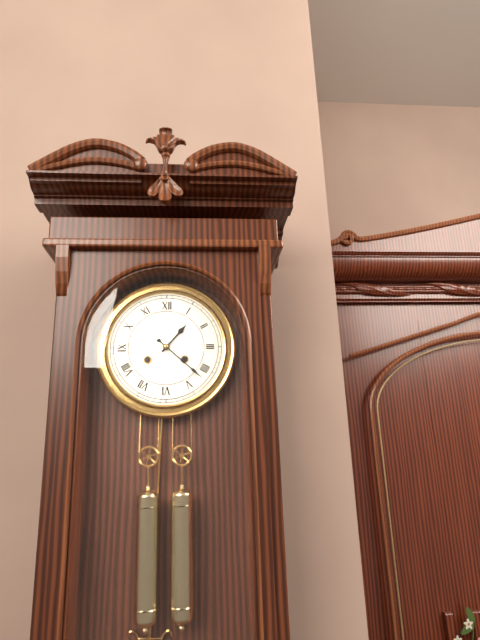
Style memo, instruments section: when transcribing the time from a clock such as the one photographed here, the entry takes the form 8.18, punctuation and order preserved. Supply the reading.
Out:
1.22
